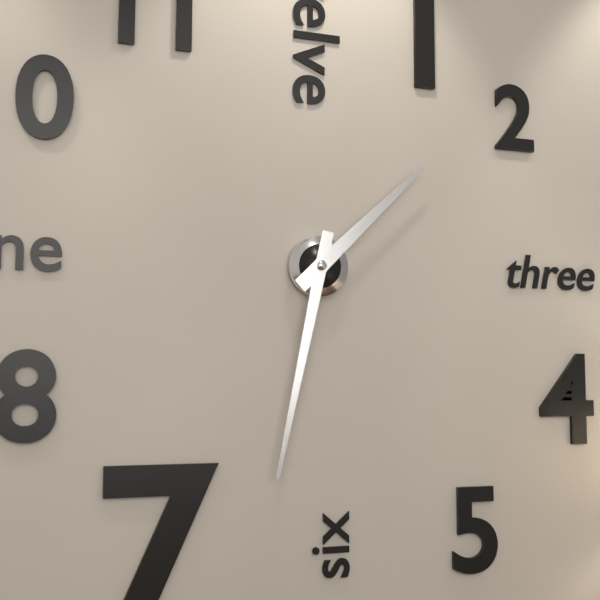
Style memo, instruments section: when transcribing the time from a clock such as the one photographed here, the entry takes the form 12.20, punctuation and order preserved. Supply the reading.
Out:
1.32
